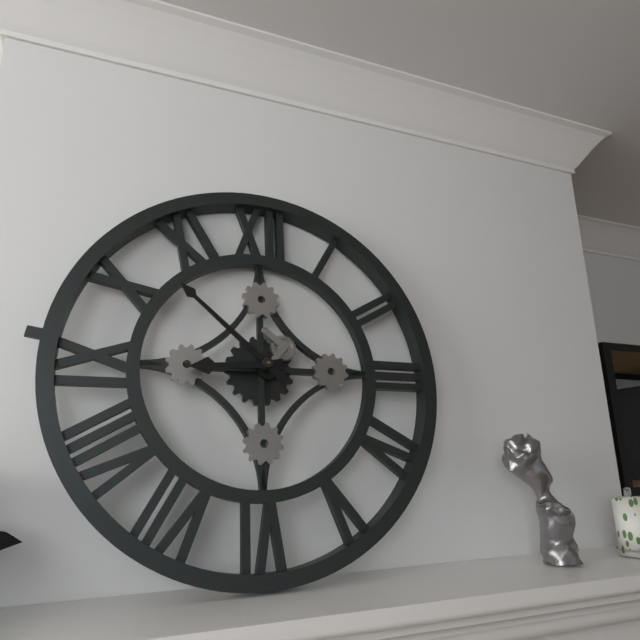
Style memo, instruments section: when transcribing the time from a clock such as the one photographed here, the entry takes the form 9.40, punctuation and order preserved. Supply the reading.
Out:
8.52
